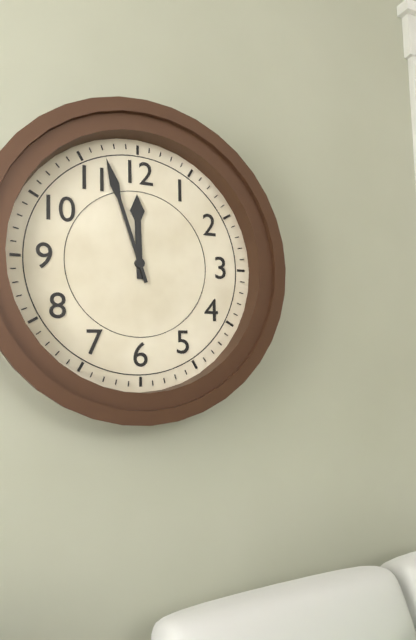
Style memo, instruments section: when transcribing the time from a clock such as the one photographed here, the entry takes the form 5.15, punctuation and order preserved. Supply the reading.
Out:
11.57
